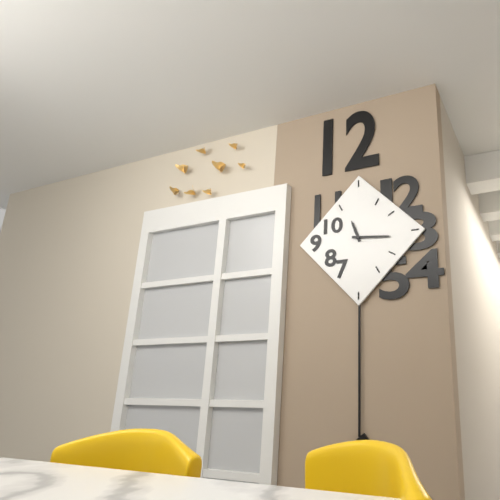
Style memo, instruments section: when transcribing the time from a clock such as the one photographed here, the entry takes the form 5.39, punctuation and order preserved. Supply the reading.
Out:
11.16
